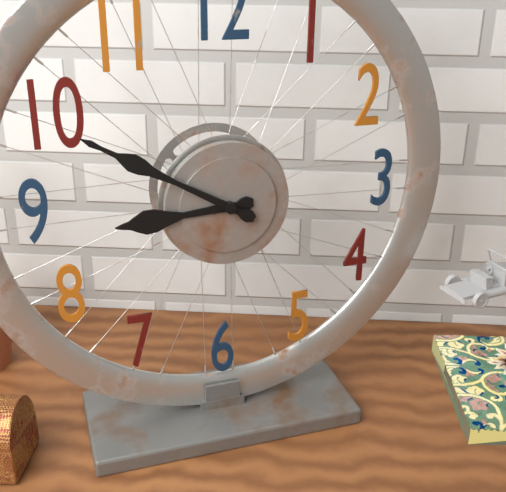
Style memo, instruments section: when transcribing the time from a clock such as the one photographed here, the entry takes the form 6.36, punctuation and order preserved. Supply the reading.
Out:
8.50
